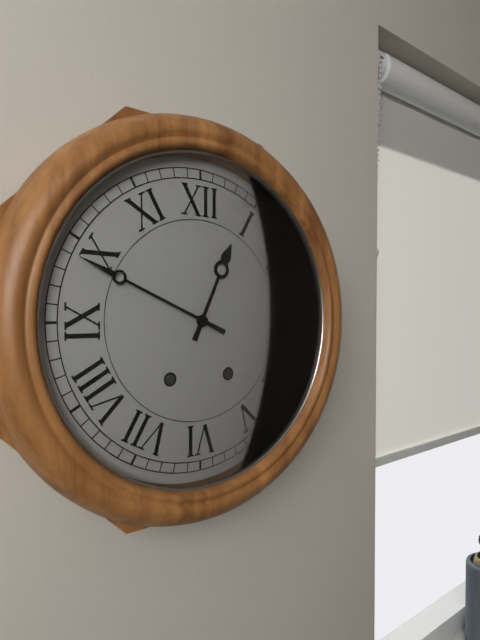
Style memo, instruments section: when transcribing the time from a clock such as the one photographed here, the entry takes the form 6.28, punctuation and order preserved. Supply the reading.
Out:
12.49
